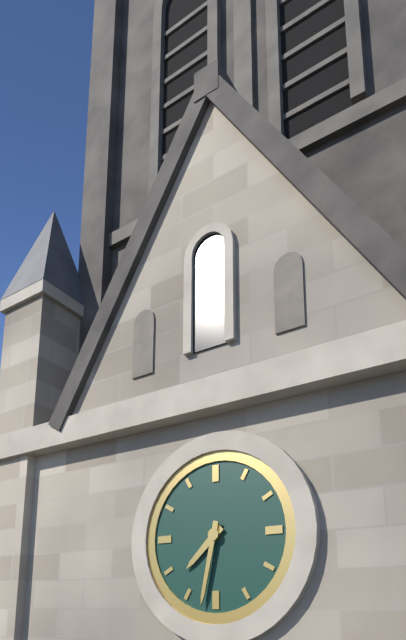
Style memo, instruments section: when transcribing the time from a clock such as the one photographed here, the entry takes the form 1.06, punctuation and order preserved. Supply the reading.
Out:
7.32
